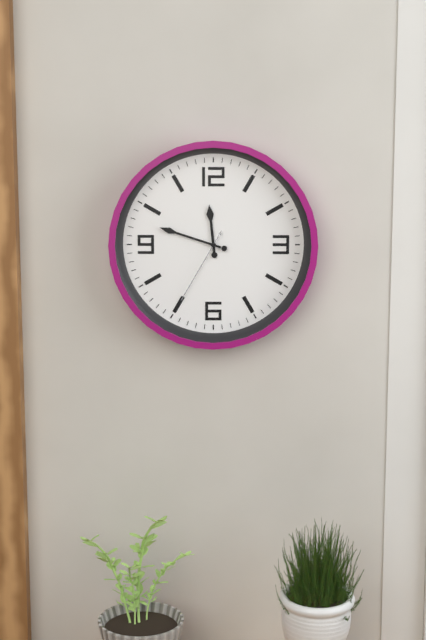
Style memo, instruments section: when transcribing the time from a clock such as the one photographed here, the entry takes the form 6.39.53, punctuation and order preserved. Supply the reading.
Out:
11.48.35
